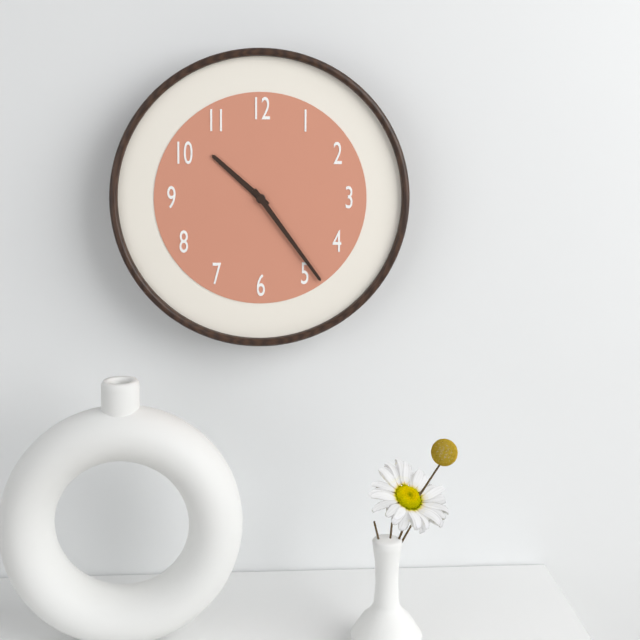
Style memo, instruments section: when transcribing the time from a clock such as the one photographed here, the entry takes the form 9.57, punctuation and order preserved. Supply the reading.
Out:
10.24
